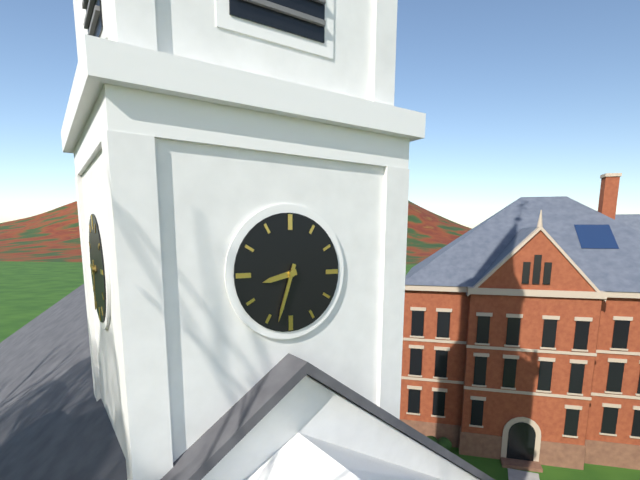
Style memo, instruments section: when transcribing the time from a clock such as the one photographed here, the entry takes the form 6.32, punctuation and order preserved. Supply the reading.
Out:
8.33
